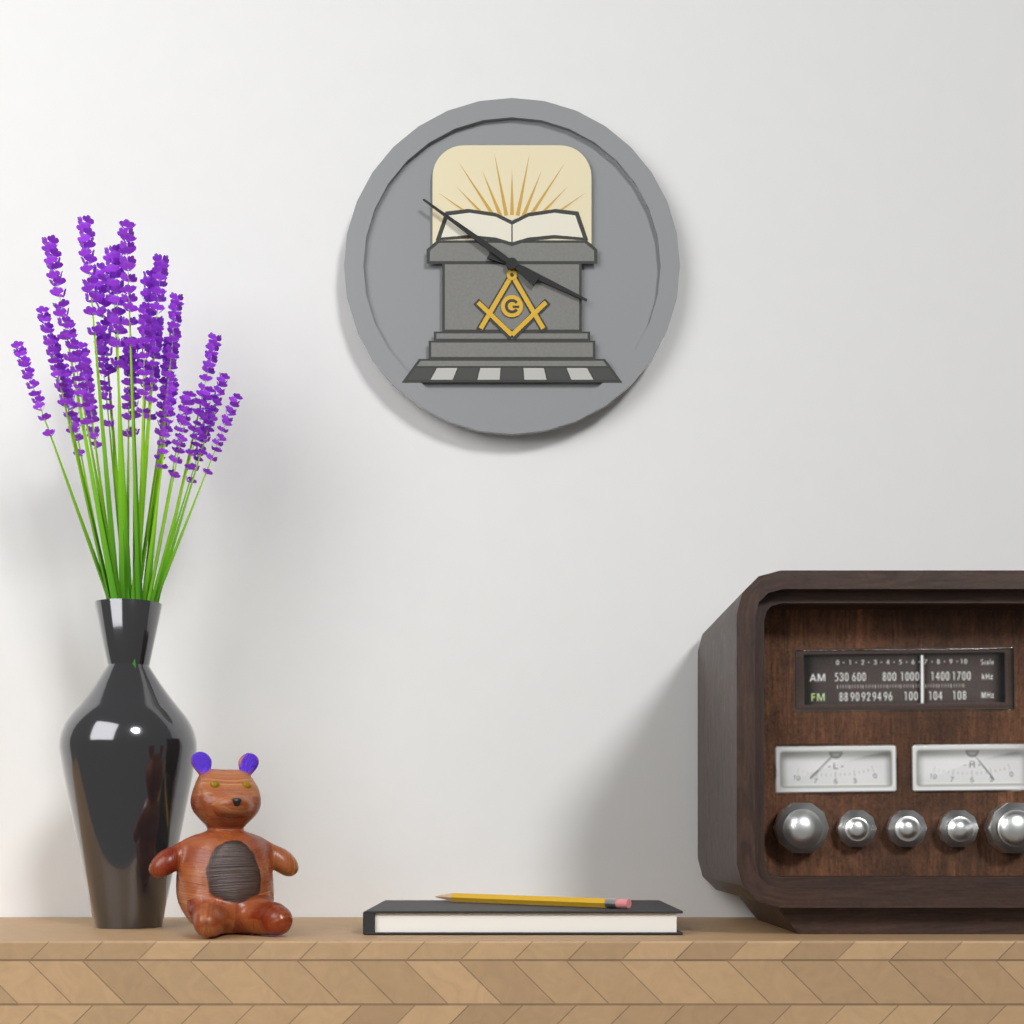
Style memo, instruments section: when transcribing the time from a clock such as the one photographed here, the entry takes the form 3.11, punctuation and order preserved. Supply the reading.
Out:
3.51
